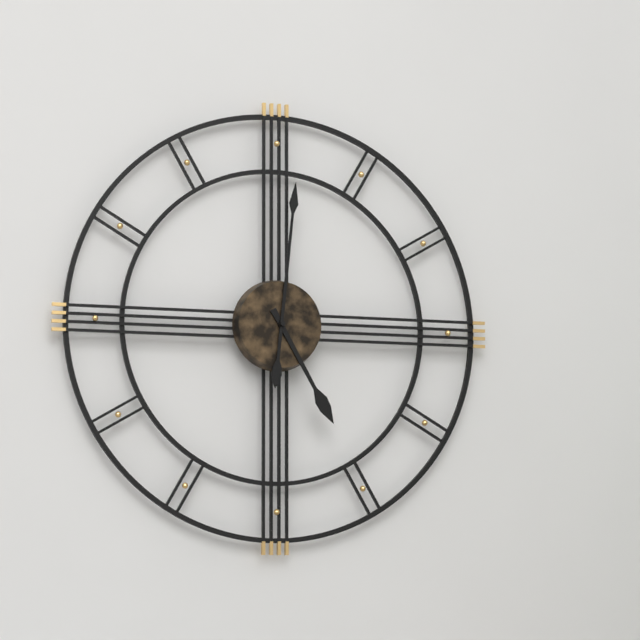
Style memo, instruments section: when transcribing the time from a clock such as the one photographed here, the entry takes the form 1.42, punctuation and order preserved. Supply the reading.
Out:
5.01
